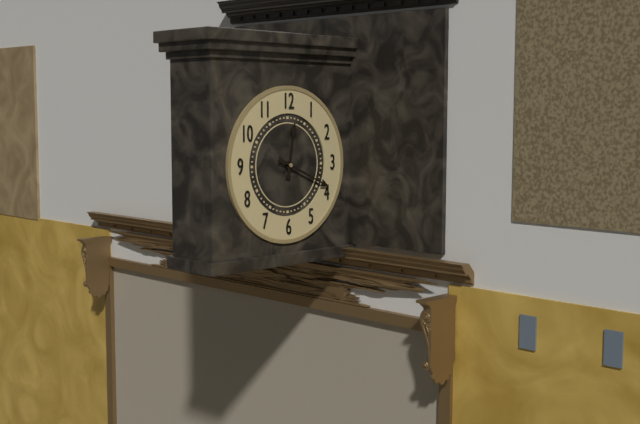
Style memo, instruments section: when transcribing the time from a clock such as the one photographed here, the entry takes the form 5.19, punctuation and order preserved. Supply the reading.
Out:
12.19
